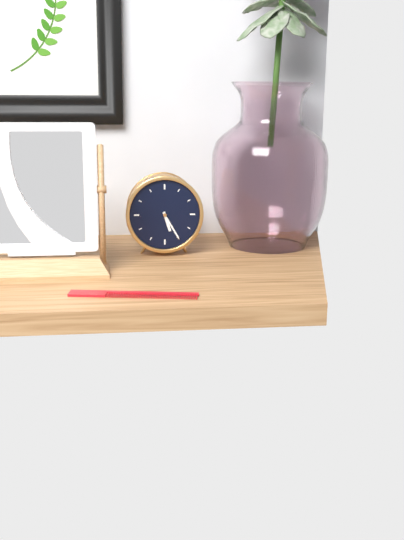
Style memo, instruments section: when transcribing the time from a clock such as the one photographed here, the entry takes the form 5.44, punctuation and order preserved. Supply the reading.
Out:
5.25
